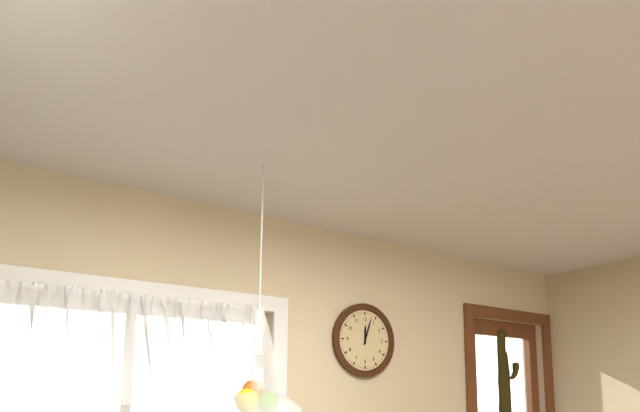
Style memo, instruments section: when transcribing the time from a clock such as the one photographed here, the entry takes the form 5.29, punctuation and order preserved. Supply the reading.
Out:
12.03
